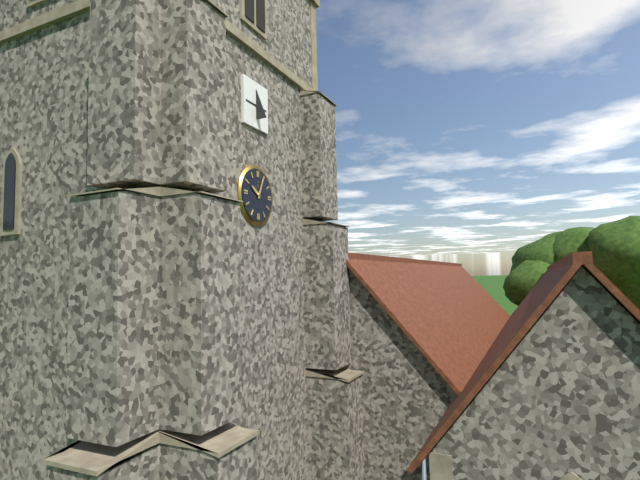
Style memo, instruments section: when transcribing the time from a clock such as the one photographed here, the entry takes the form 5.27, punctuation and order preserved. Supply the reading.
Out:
10.04
